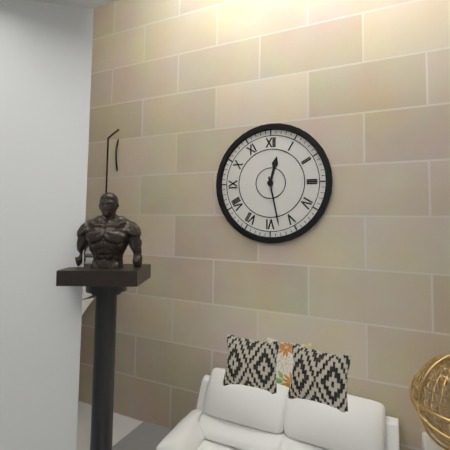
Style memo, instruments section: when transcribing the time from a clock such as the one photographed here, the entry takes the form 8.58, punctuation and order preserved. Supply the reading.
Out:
12.28
